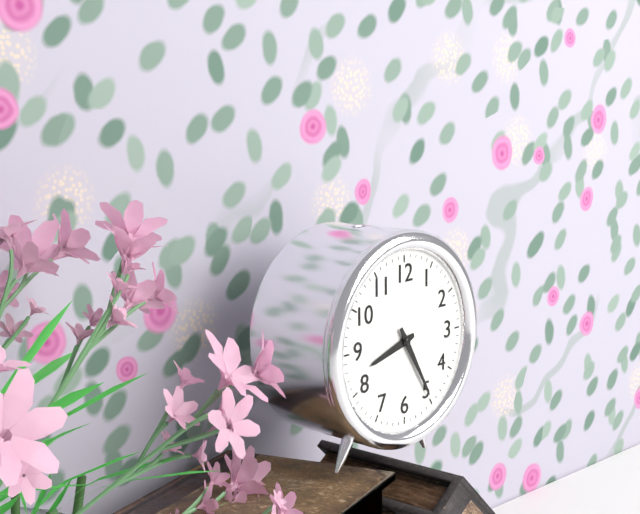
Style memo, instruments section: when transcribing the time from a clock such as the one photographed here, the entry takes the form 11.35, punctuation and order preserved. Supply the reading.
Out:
8.25
